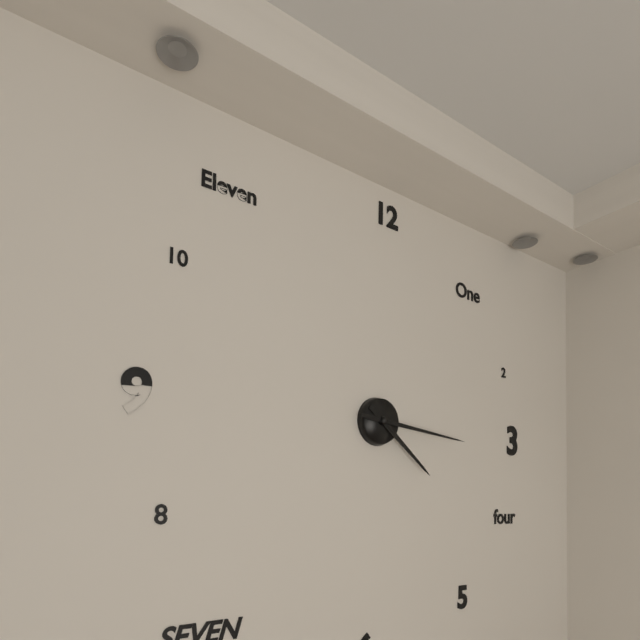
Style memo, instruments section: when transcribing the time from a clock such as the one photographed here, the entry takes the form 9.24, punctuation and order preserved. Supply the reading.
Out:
4.16
